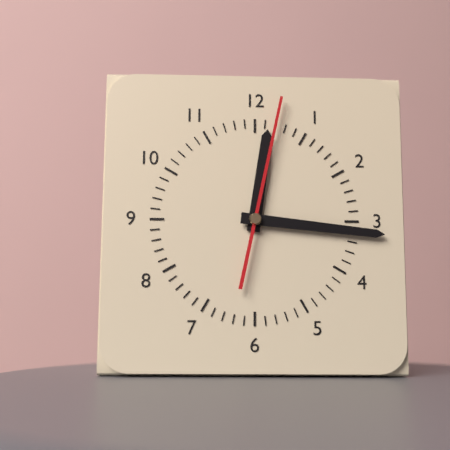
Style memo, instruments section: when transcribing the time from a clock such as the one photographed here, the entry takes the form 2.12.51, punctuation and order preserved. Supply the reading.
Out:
12.16.02
